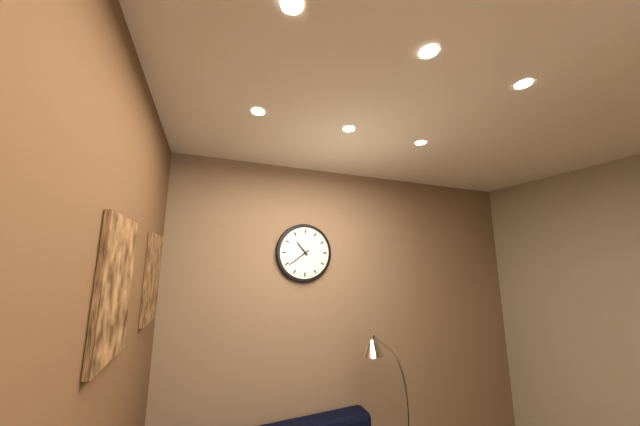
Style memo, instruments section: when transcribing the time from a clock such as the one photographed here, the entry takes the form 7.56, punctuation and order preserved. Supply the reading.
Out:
10.39
